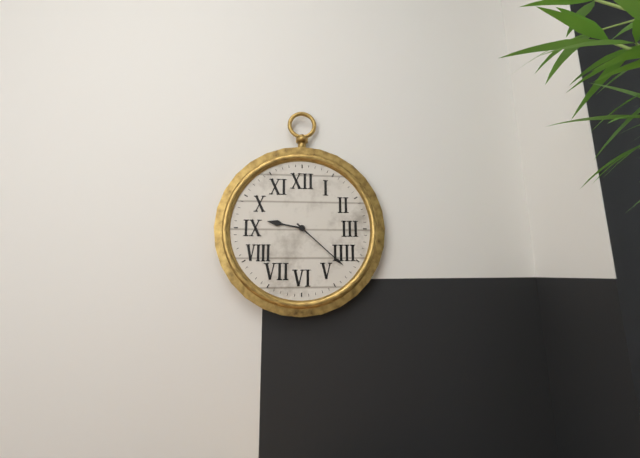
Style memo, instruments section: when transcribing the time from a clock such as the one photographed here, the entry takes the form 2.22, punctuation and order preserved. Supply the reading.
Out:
9.22
